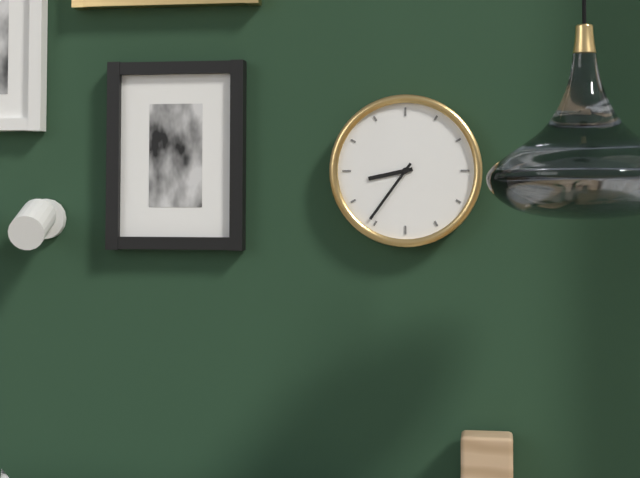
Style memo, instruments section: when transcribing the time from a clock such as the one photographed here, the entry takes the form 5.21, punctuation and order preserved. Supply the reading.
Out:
8.36
